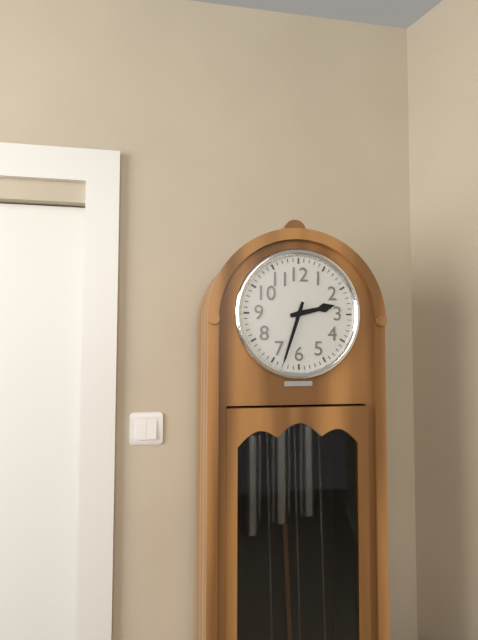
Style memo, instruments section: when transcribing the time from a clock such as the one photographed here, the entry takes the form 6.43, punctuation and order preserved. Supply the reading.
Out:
2.33
